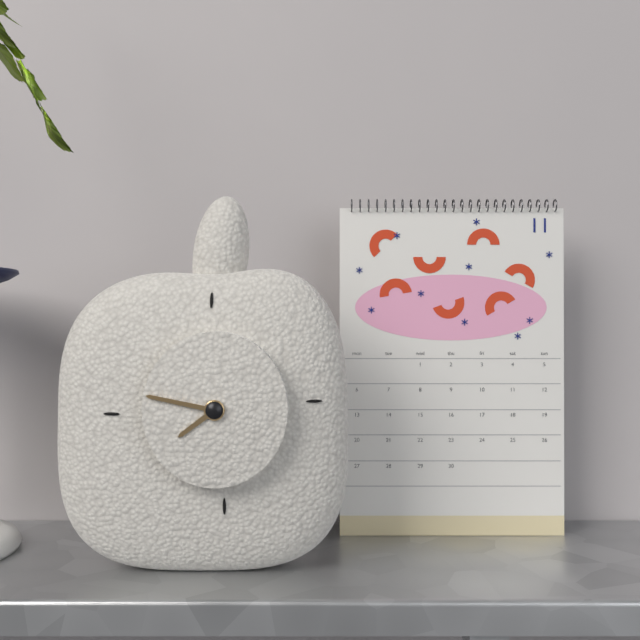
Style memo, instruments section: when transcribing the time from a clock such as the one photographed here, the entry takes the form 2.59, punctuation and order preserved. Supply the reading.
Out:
7.47
